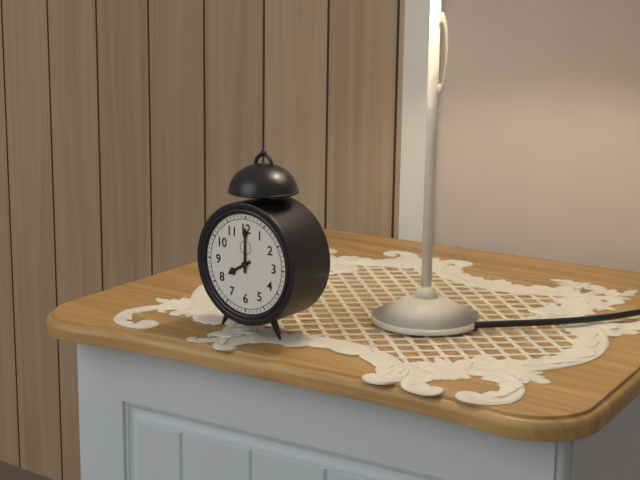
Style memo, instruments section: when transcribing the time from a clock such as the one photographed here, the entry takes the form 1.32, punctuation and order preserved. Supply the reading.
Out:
8.00
